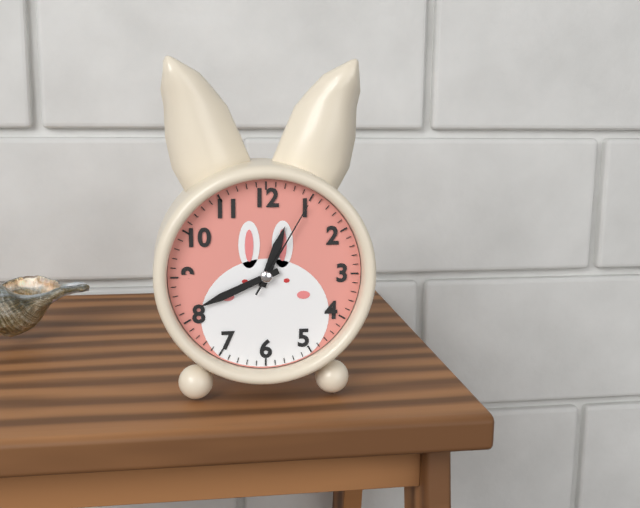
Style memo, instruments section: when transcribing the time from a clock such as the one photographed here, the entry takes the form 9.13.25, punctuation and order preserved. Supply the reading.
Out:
12.41.05
